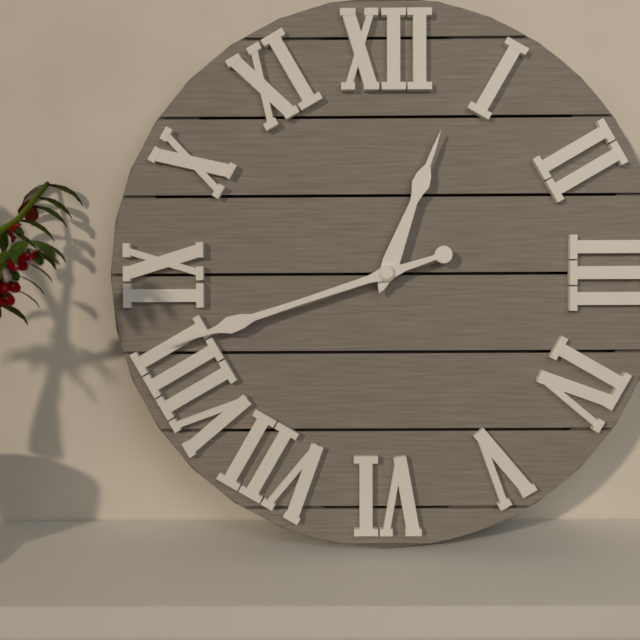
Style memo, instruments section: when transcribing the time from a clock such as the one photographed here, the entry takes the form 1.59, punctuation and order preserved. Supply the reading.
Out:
12.42
